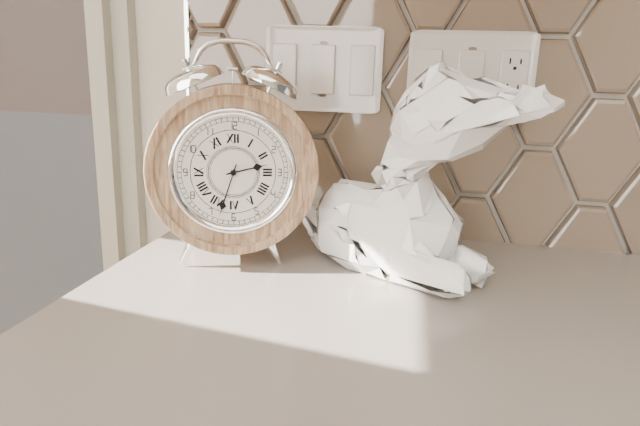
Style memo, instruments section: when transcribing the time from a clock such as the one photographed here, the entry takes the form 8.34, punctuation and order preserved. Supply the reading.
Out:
2.33
